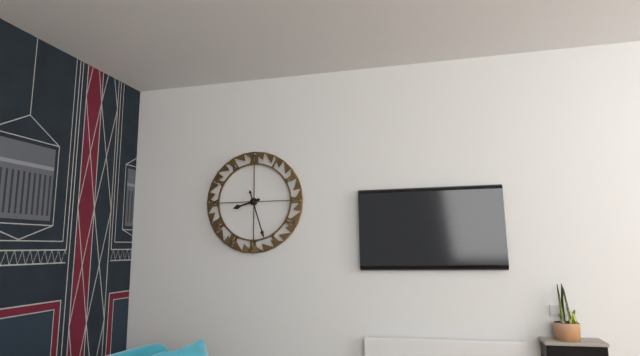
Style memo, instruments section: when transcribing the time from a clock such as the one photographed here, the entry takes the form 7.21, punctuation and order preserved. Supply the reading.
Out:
8.27
